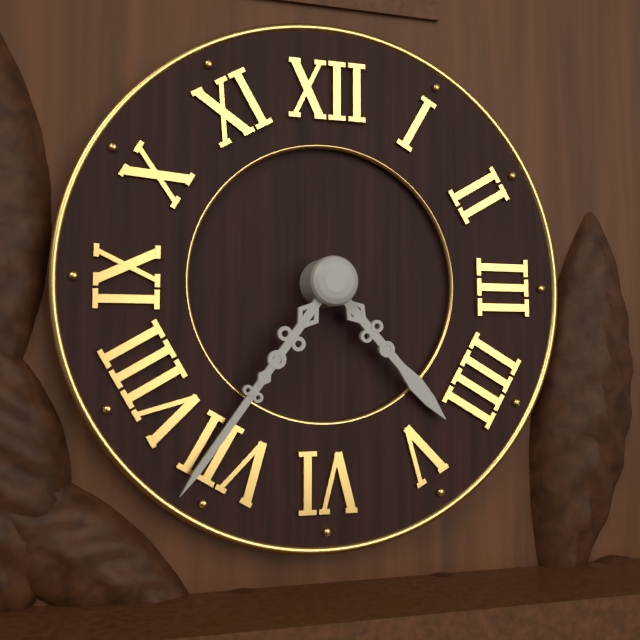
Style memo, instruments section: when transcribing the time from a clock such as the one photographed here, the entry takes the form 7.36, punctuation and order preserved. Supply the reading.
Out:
4.36
